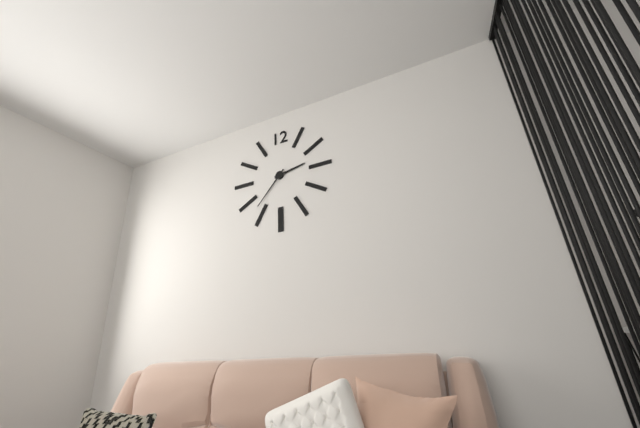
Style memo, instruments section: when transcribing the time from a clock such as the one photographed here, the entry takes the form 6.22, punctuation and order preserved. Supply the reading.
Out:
2.37
